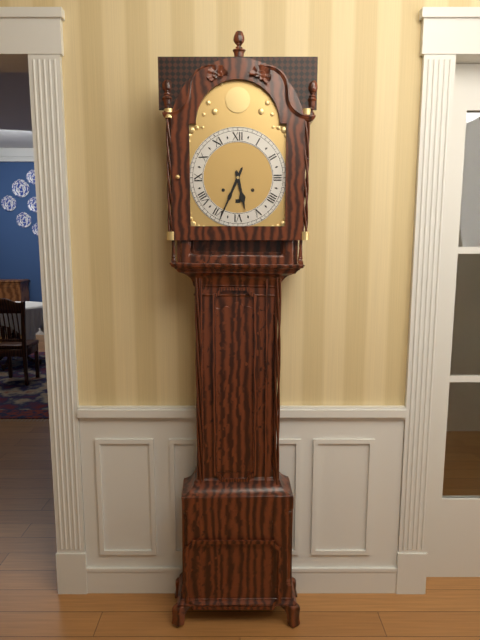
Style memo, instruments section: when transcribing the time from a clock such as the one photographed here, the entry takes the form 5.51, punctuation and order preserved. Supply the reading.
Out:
5.34
